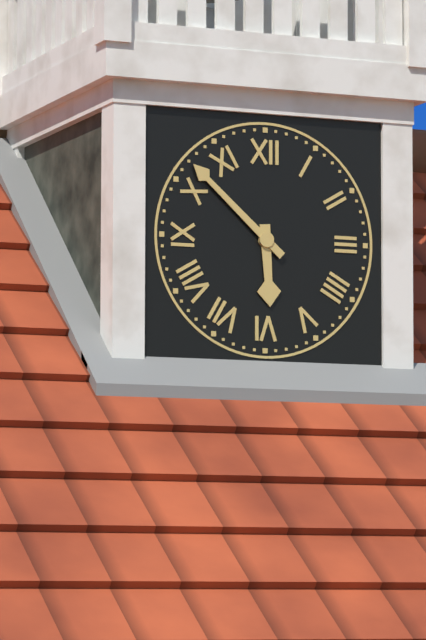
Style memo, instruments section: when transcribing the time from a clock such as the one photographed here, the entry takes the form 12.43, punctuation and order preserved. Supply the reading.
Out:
5.52
